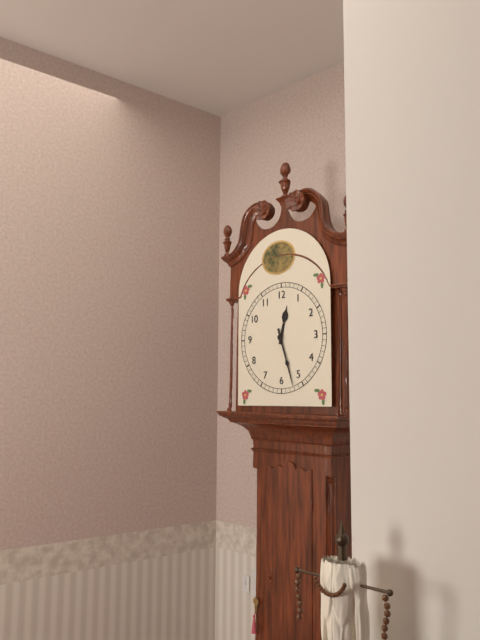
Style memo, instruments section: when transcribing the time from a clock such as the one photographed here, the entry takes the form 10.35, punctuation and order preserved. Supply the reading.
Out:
12.27
